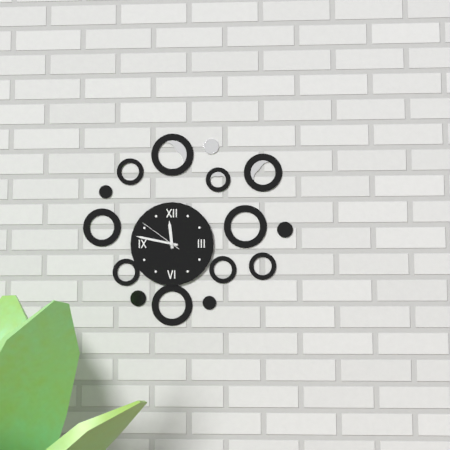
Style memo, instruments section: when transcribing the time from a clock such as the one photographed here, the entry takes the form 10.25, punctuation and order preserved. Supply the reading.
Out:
11.47
